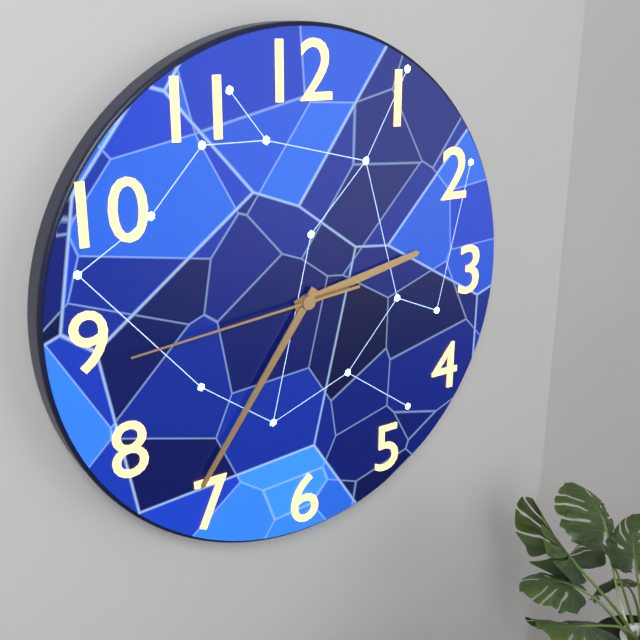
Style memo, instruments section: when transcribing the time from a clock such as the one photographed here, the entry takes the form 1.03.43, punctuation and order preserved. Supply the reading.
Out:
2.36.44
